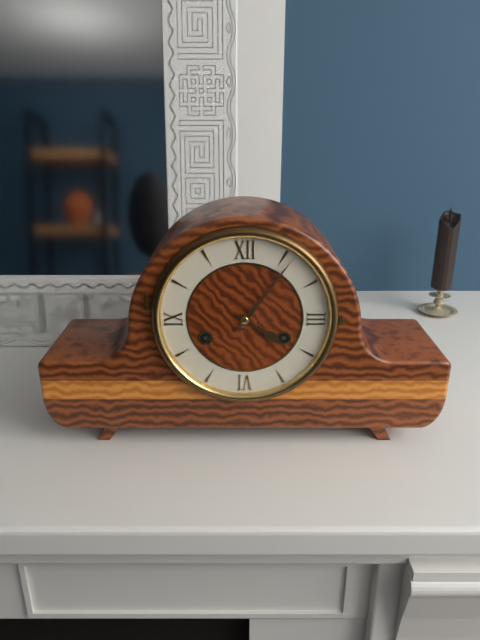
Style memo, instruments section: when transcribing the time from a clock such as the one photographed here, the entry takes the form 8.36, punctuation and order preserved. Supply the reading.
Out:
4.06
